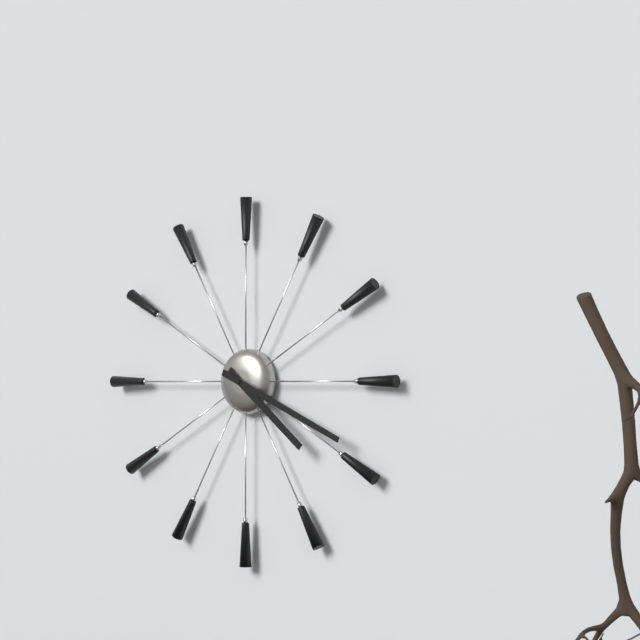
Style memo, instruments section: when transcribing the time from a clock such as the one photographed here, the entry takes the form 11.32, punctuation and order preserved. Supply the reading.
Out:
4.19
